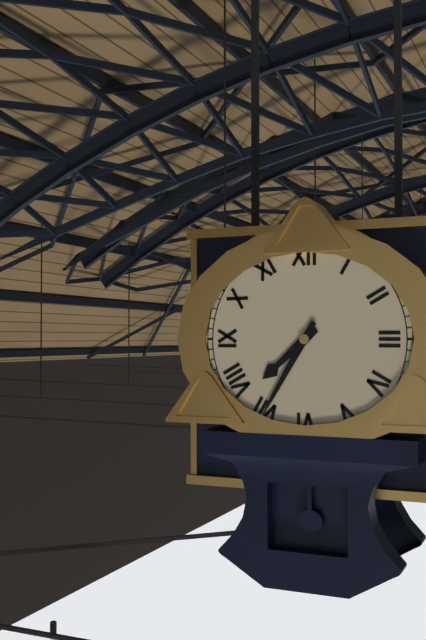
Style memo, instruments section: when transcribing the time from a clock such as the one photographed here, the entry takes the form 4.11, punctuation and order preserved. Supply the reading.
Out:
7.35
